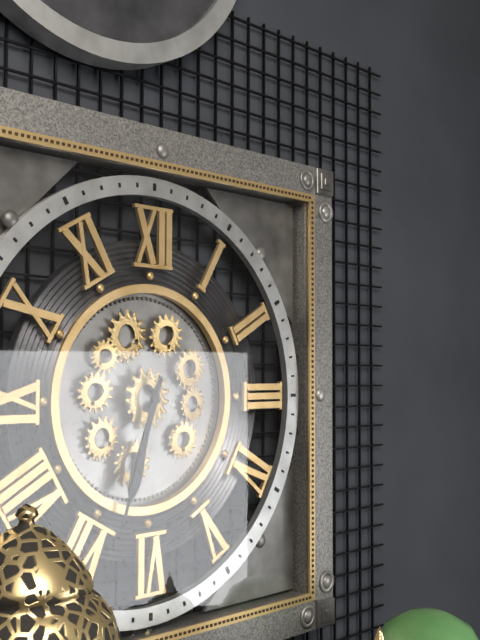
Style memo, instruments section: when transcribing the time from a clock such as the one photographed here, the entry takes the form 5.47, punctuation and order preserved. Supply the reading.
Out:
6.33
